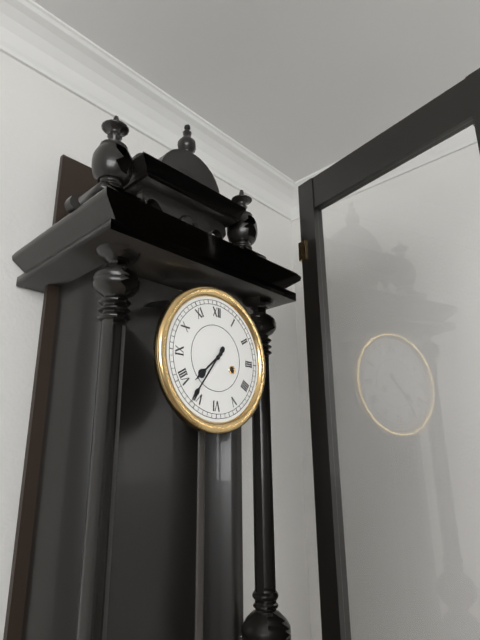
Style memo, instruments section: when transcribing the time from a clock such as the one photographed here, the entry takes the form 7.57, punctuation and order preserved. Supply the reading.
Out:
7.36
